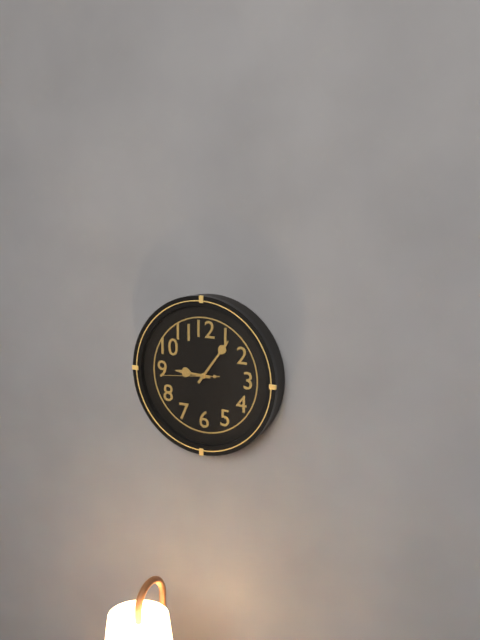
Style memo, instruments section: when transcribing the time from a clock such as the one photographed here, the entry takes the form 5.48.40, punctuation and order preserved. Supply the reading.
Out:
9.06.44
